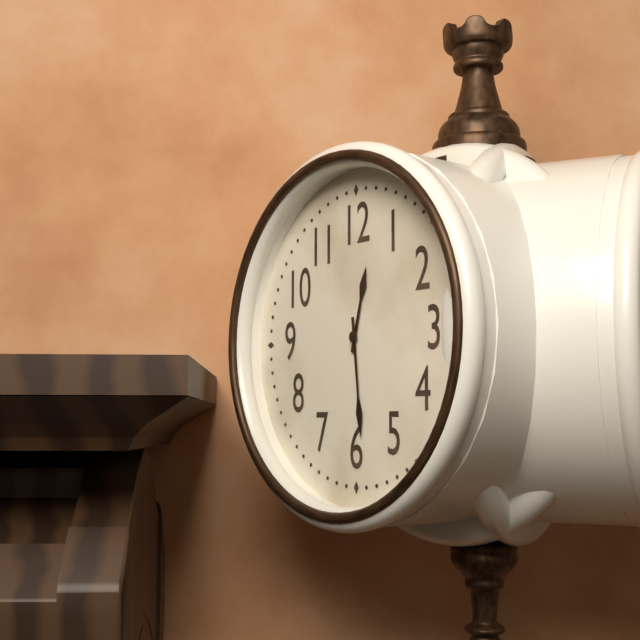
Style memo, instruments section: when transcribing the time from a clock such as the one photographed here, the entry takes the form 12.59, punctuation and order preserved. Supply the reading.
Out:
12.29
